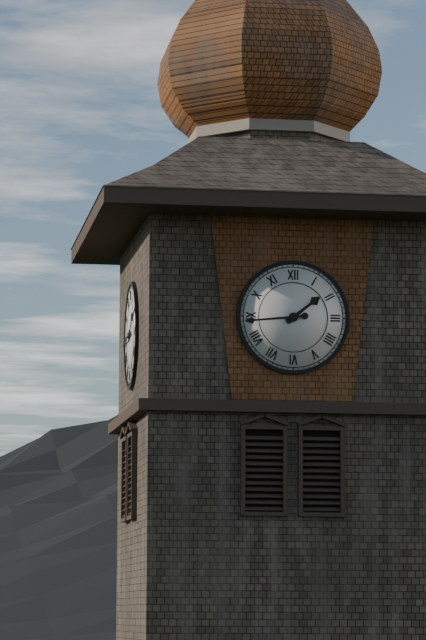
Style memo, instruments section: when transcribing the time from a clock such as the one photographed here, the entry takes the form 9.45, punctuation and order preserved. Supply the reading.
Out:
1.44
